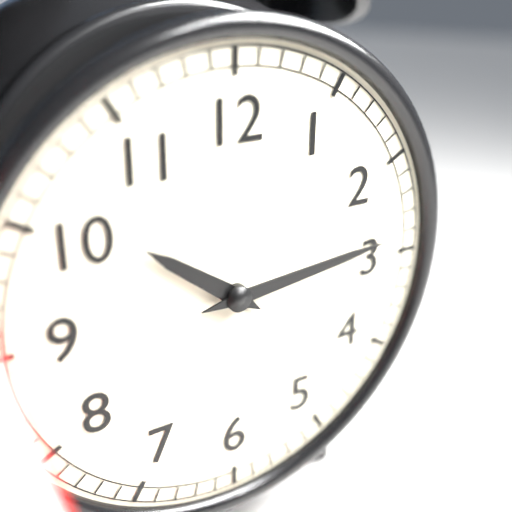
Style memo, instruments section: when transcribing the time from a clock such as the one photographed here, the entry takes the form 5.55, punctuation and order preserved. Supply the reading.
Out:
10.14
